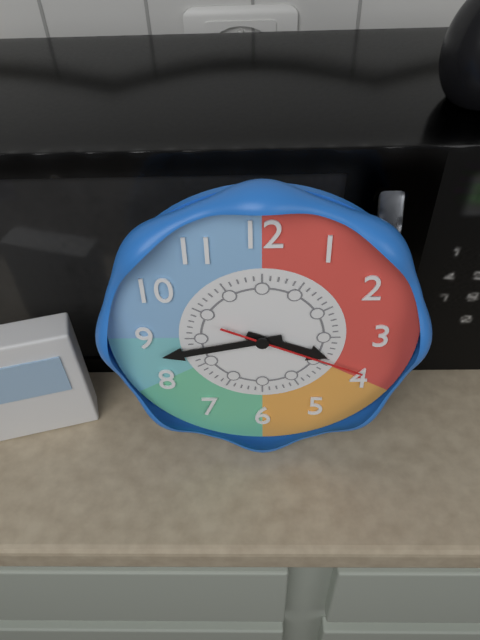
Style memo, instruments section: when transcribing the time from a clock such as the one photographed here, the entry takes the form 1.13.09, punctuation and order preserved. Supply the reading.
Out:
3.43.19
